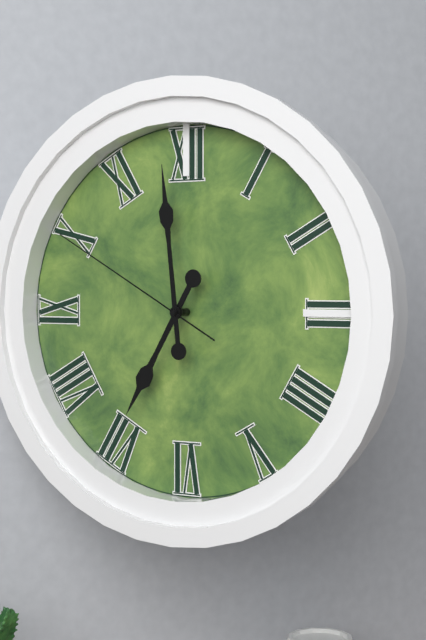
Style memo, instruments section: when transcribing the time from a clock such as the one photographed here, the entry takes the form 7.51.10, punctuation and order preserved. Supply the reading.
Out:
6.59.50
